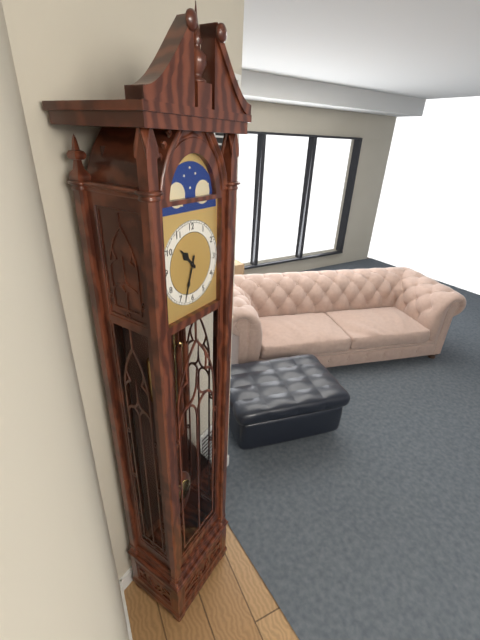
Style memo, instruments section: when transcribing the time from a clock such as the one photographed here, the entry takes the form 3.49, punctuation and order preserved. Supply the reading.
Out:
10.33
